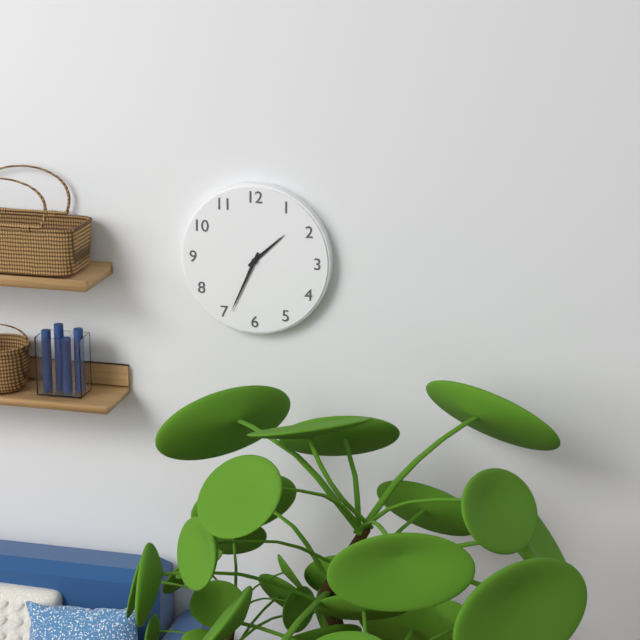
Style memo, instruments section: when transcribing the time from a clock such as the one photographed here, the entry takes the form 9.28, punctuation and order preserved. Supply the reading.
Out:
1.34
